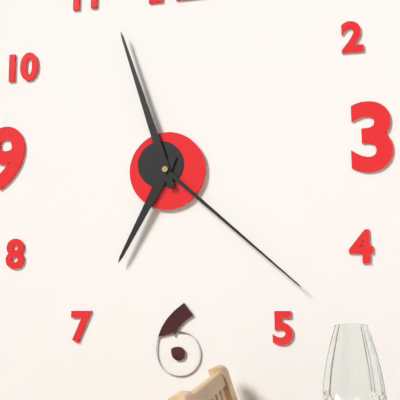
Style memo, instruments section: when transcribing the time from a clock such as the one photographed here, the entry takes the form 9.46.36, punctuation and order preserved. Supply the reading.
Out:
6.57.22
